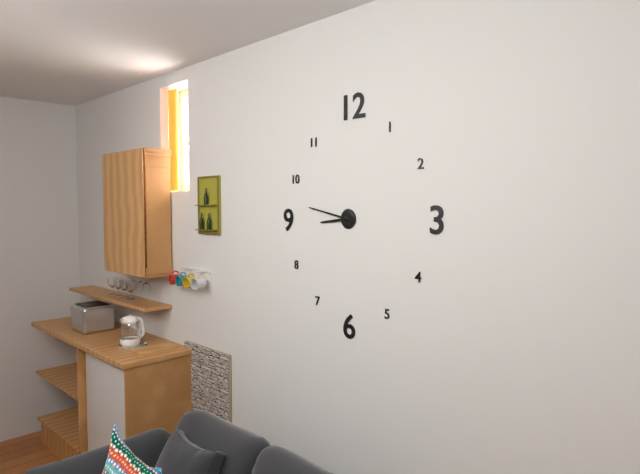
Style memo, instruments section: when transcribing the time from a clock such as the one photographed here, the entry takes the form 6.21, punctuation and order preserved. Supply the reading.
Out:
8.47
